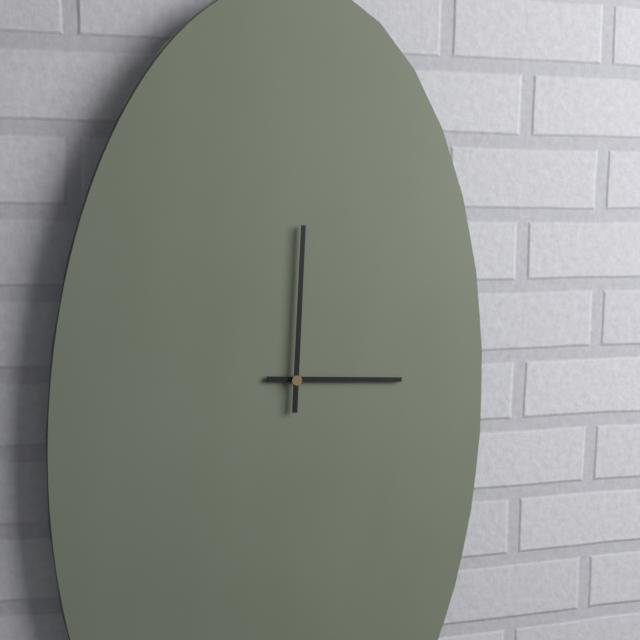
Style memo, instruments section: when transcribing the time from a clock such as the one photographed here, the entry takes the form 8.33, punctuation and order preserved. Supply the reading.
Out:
3.00
